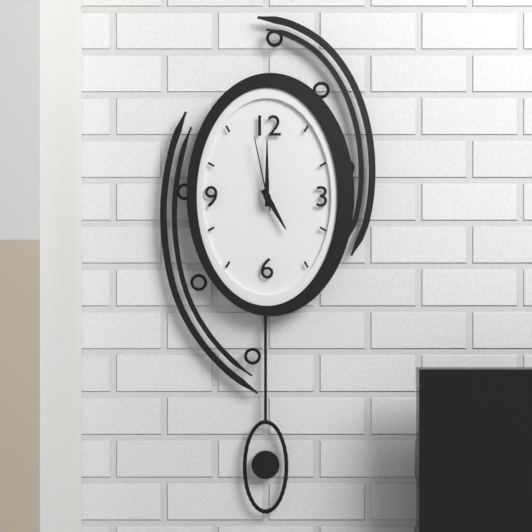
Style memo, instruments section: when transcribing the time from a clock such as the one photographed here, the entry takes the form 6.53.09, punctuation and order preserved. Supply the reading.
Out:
5.00.58
